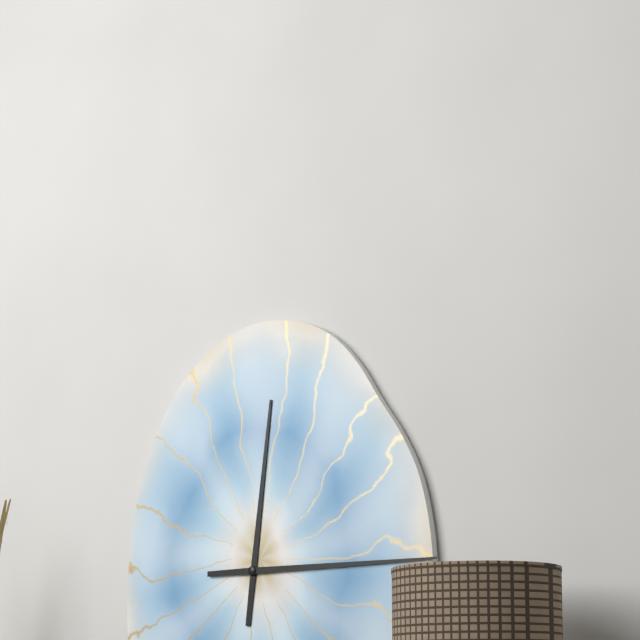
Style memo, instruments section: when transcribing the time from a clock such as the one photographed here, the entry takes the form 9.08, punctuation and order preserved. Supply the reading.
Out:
12.15
